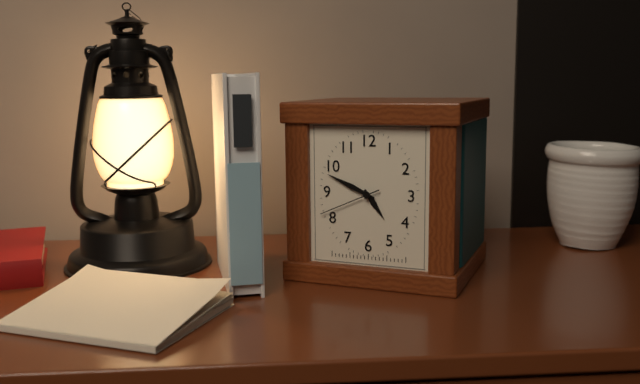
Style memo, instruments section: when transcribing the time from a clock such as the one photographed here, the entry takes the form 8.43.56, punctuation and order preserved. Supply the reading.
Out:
4.49.41
